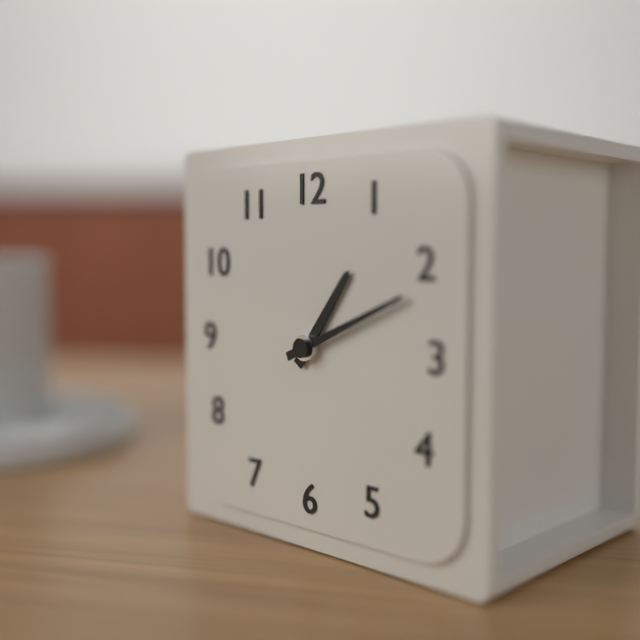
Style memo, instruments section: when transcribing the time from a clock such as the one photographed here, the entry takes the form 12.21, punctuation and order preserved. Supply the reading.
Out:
1.11
